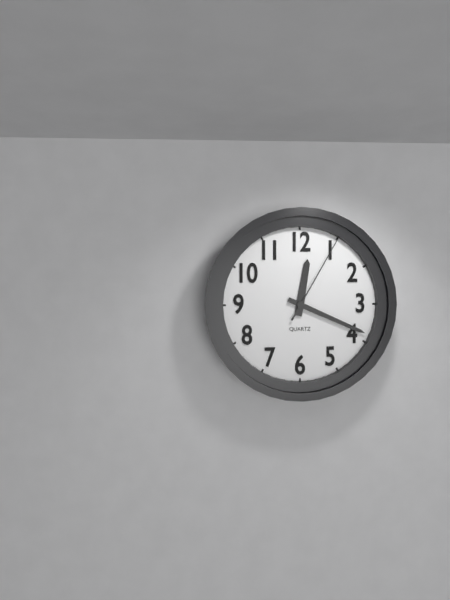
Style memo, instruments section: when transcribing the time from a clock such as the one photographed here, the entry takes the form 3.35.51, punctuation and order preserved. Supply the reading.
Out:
12.19.05
